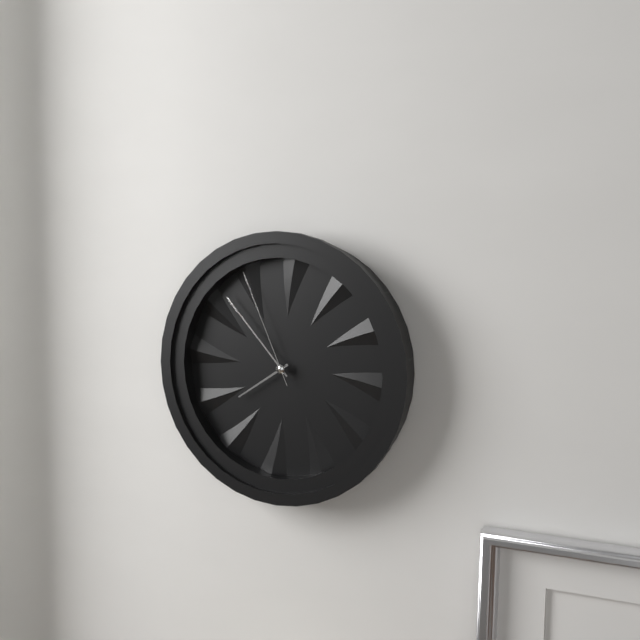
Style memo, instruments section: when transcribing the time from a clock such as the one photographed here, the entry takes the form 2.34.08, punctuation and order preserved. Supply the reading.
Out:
7.53.56
